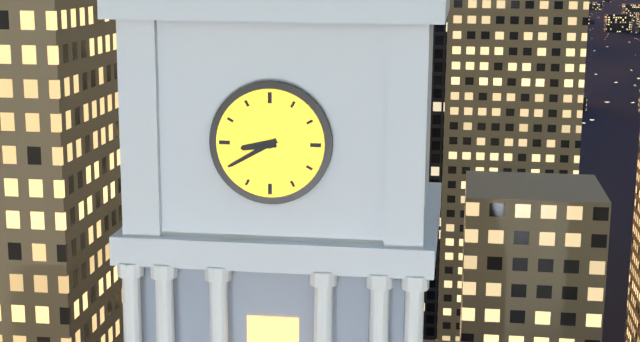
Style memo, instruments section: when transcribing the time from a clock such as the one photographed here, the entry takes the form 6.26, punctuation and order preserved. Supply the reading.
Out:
8.40
